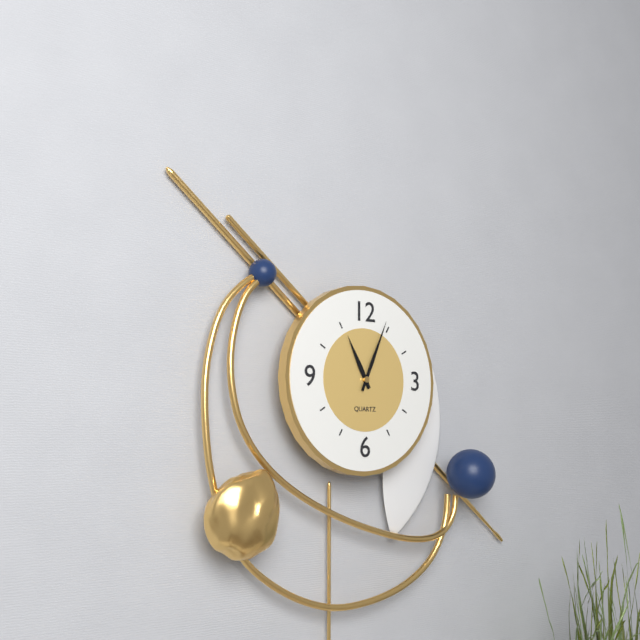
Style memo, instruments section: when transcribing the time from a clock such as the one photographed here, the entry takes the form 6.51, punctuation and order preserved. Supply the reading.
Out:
11.04
